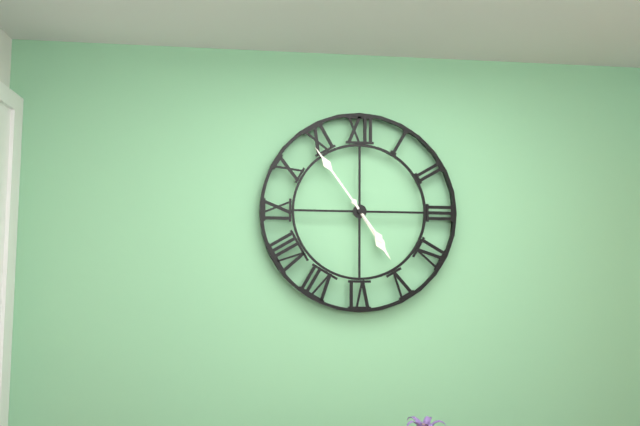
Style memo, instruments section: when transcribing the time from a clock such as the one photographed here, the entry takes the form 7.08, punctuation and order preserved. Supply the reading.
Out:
4.54
